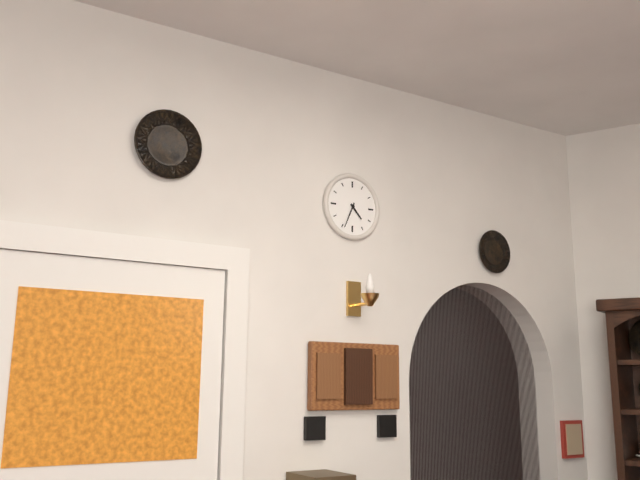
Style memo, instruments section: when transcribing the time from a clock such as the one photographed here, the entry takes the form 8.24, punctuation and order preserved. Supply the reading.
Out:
4.34
